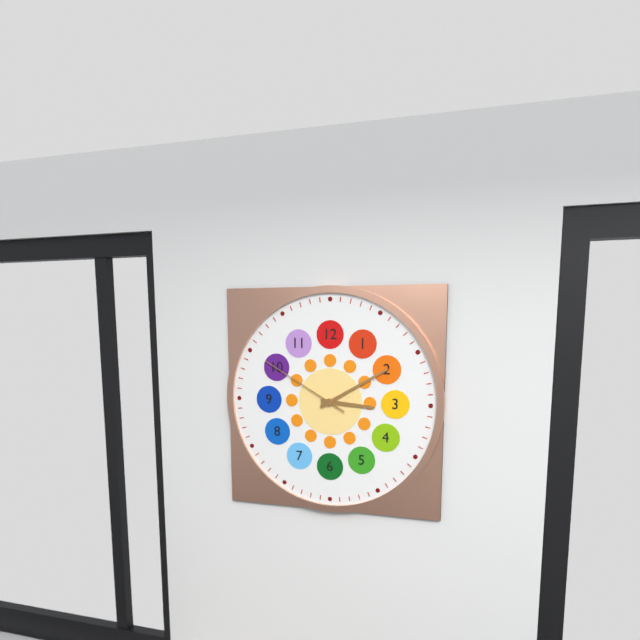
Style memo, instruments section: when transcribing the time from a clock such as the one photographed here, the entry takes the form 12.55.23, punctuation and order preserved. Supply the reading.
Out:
3.10.50
